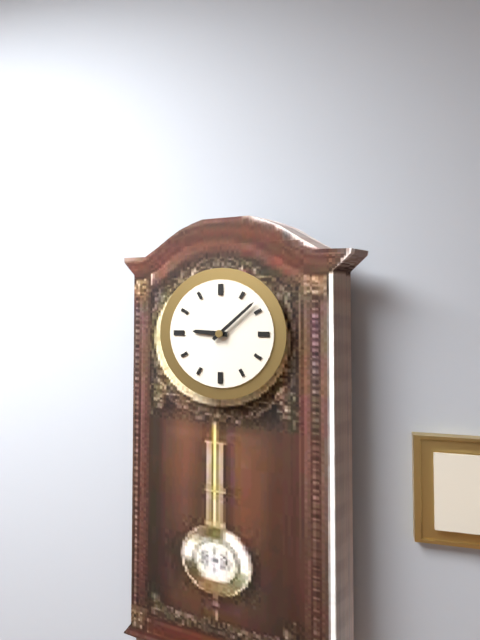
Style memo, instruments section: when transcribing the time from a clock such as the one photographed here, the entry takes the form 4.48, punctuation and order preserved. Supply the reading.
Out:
9.08
